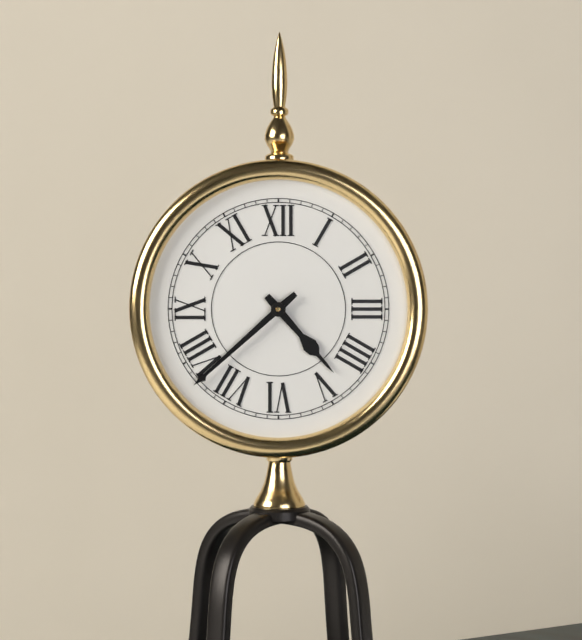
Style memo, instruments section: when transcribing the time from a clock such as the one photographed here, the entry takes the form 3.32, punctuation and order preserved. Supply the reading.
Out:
4.38
